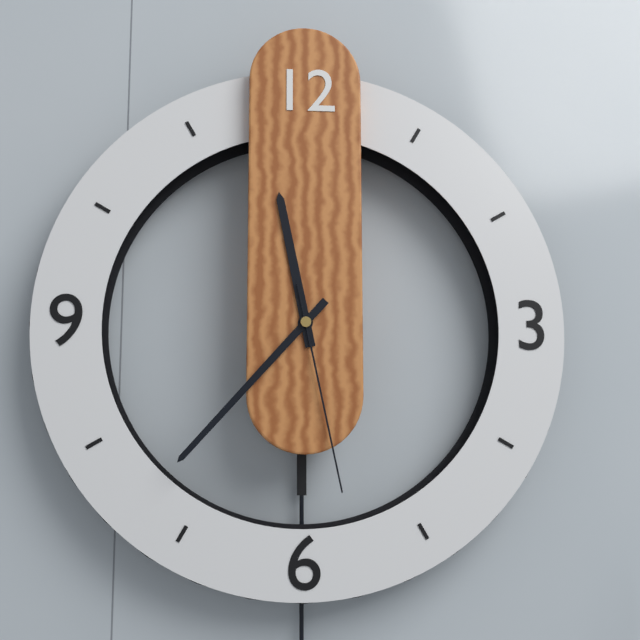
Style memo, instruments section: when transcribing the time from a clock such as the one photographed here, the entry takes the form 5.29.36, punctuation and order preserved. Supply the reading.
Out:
11.37.28
